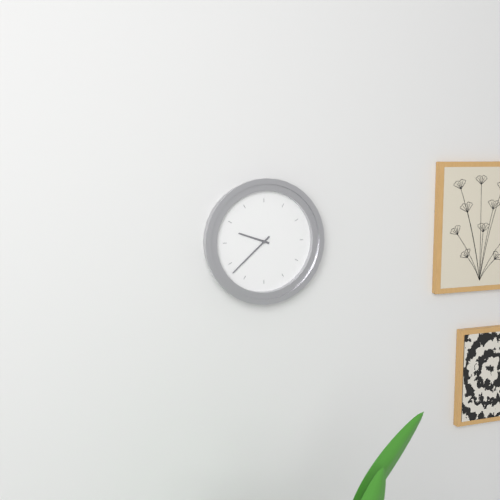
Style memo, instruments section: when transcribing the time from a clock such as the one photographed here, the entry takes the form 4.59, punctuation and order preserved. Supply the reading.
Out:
9.38
